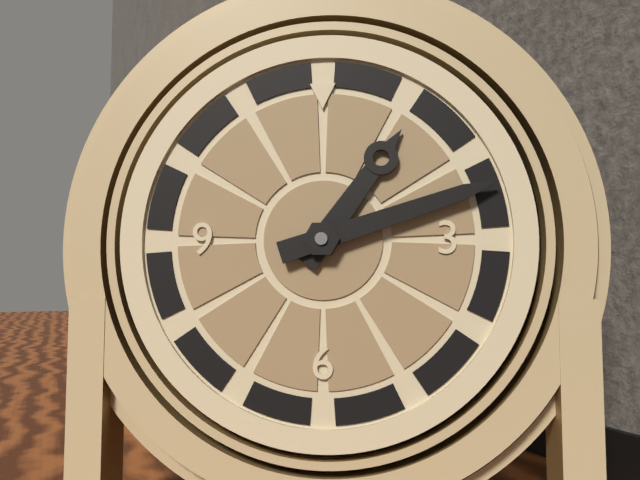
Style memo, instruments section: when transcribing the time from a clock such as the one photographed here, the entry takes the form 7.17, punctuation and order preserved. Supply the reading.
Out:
1.12
